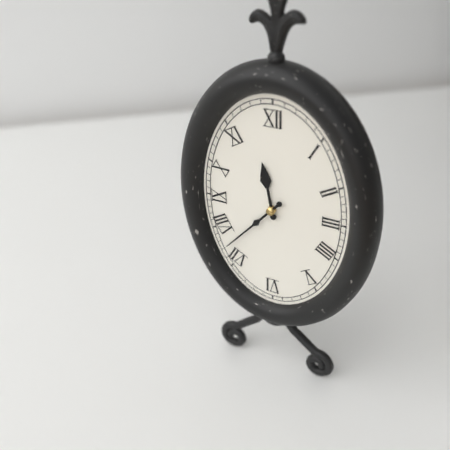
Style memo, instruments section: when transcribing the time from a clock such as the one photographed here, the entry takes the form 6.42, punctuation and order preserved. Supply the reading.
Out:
11.37
